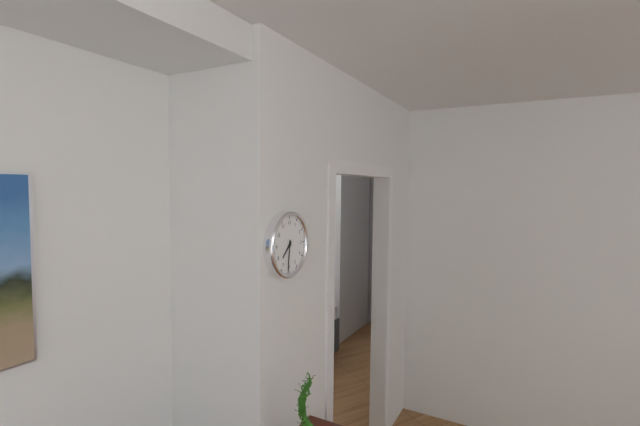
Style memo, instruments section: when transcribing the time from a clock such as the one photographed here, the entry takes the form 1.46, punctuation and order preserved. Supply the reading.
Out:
7.31
